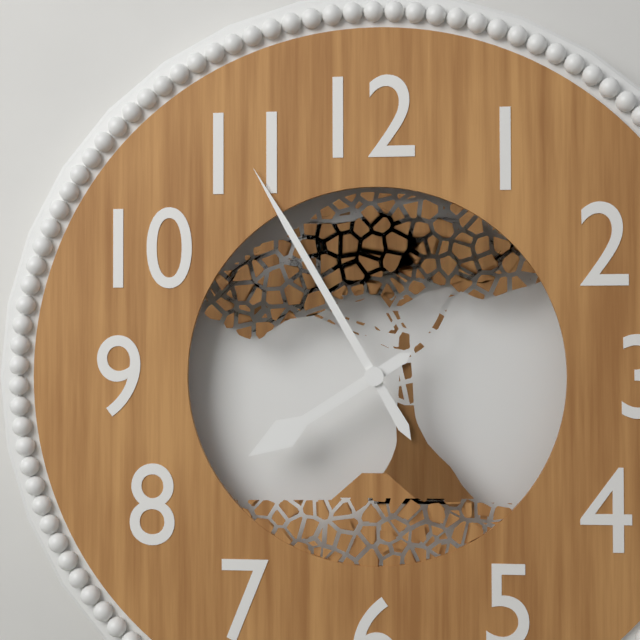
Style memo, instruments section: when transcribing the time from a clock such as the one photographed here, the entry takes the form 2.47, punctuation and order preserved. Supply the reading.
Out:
7.55
